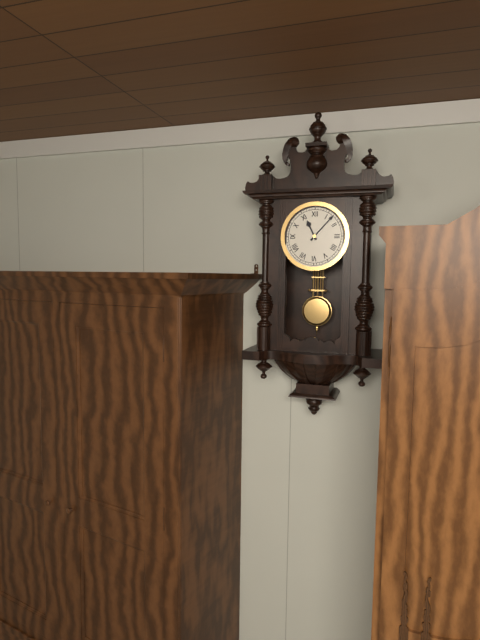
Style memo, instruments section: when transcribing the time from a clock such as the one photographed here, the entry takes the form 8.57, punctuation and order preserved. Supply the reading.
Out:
11.07
